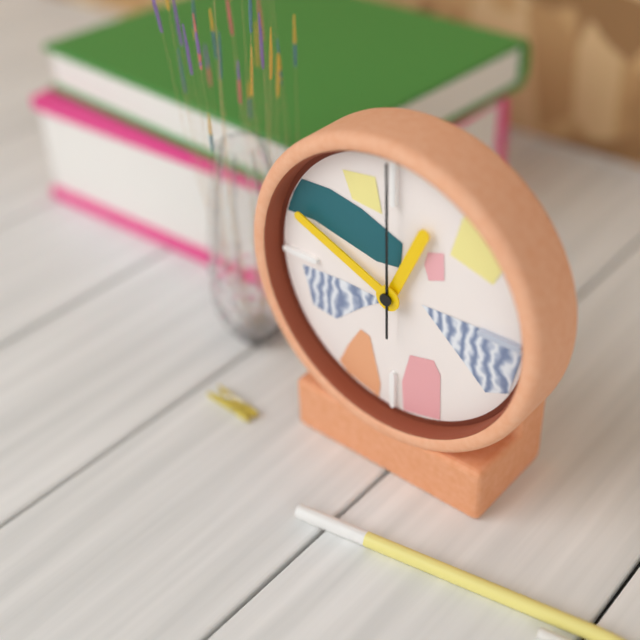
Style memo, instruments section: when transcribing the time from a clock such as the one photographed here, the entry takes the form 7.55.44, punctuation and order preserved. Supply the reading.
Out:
12.49.00
